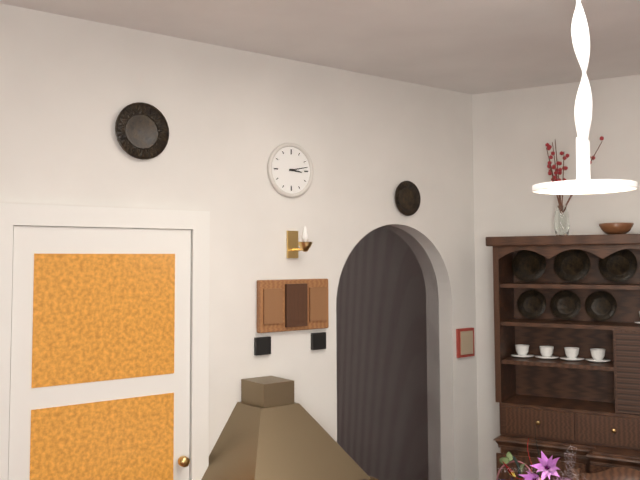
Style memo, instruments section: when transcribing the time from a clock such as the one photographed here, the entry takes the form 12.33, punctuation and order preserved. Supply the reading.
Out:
3.13
